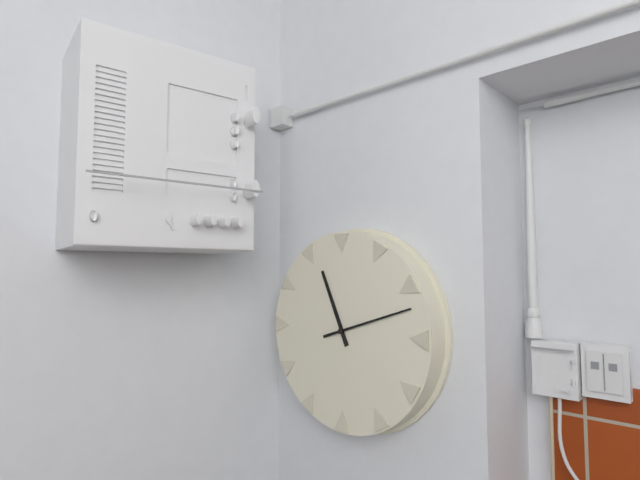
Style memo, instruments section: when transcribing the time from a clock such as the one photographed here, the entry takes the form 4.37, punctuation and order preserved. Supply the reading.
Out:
11.12
